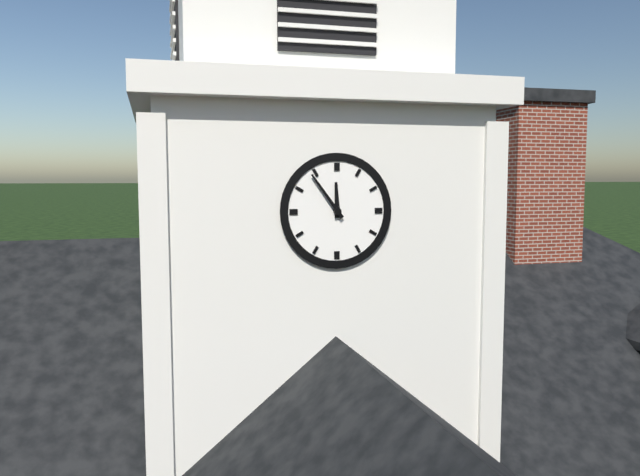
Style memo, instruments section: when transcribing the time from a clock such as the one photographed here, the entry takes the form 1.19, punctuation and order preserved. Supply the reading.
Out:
11.54
